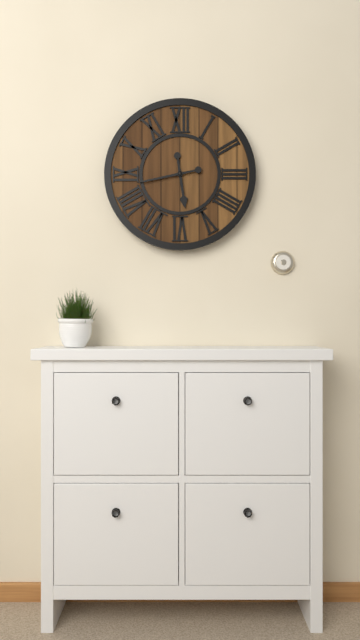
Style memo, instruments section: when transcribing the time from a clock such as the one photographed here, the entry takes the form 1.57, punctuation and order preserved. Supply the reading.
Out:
5.43
